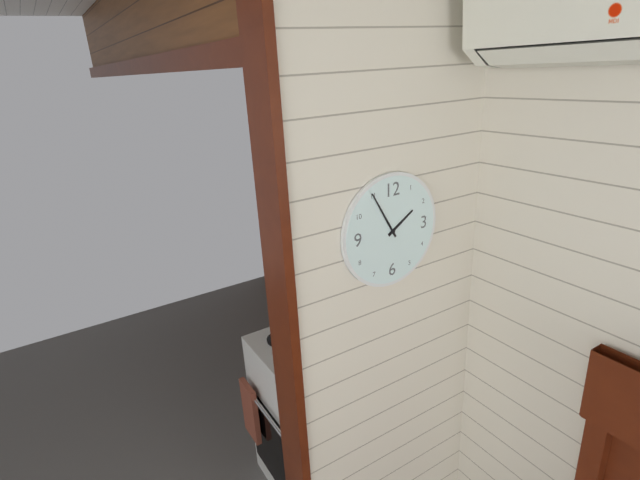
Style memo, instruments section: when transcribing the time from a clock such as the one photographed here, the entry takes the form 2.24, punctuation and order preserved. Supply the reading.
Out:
1.55
